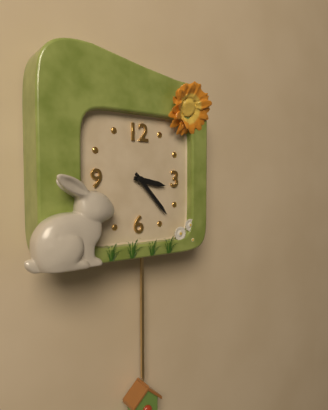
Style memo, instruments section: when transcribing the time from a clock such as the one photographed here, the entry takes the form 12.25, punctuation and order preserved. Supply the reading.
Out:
3.23
